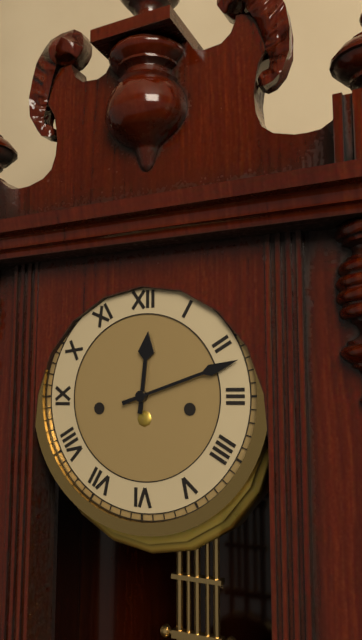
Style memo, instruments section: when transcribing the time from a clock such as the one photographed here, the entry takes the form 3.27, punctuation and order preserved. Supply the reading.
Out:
12.12
